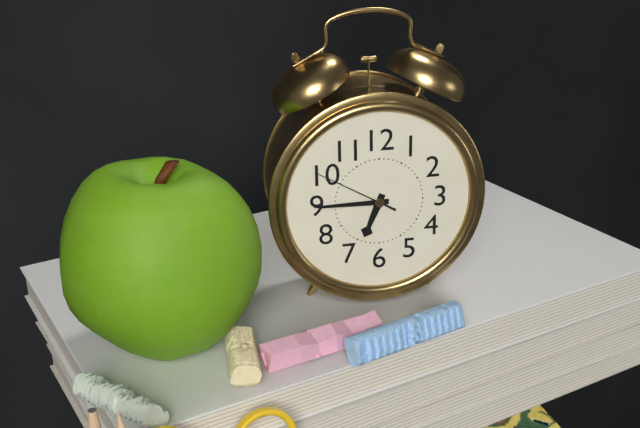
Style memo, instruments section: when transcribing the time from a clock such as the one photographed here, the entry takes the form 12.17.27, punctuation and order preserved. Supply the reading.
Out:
6.45.50
